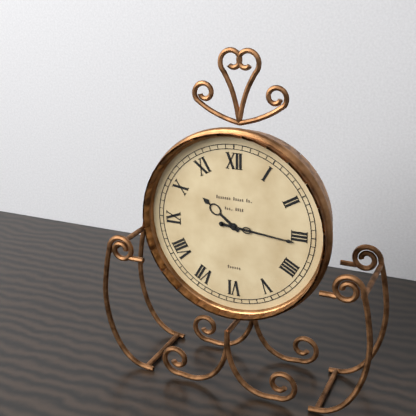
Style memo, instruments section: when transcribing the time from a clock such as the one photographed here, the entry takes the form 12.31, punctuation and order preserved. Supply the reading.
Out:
10.16
